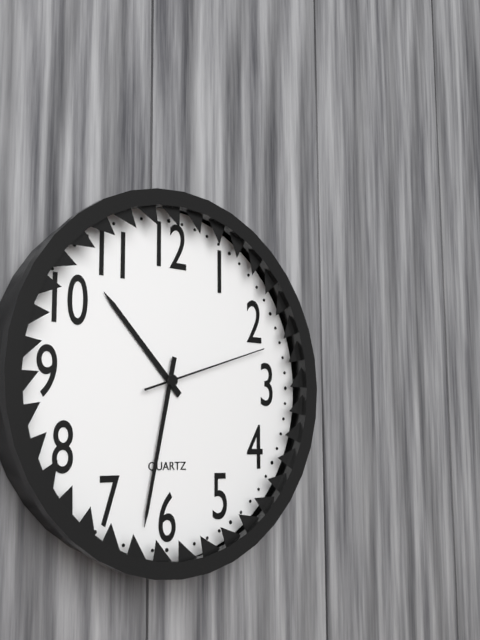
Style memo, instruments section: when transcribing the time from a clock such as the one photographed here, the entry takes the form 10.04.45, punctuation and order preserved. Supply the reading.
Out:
10.32.12
